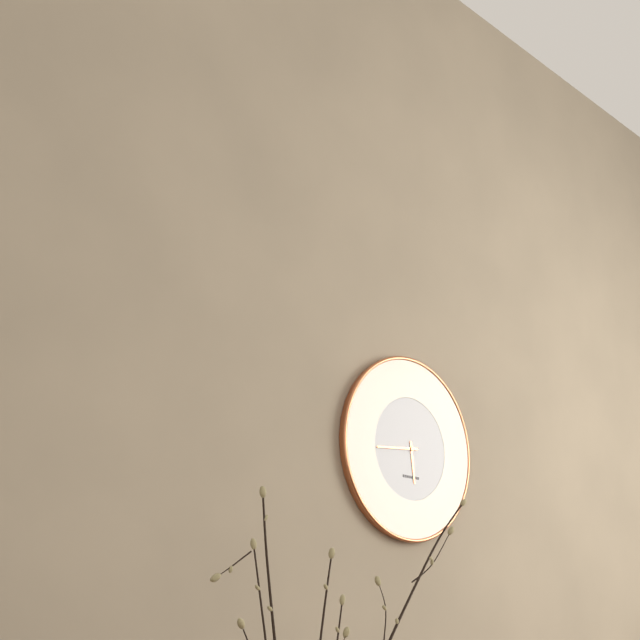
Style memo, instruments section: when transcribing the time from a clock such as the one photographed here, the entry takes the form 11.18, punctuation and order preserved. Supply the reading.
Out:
5.44
